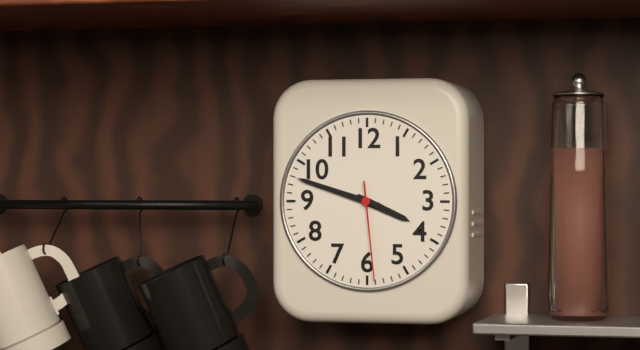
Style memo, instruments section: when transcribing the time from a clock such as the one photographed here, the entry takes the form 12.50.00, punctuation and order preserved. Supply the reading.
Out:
3.48.29
